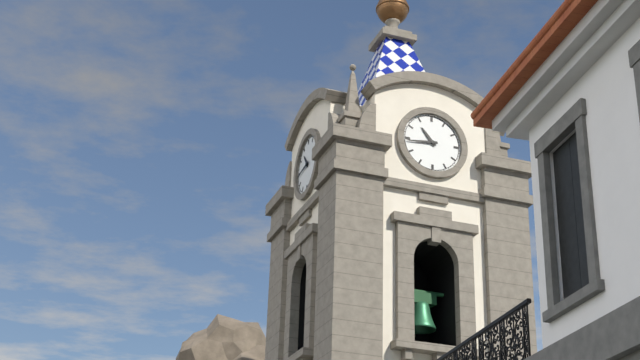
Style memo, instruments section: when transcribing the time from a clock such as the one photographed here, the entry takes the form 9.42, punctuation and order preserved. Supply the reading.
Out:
10.44
